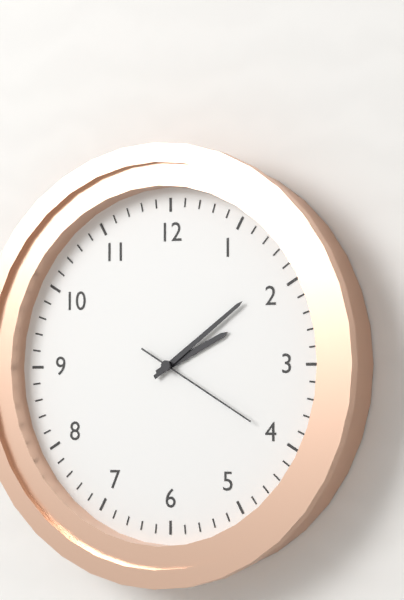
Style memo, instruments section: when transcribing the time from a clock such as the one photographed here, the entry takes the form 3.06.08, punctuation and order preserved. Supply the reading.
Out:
2.09.20
